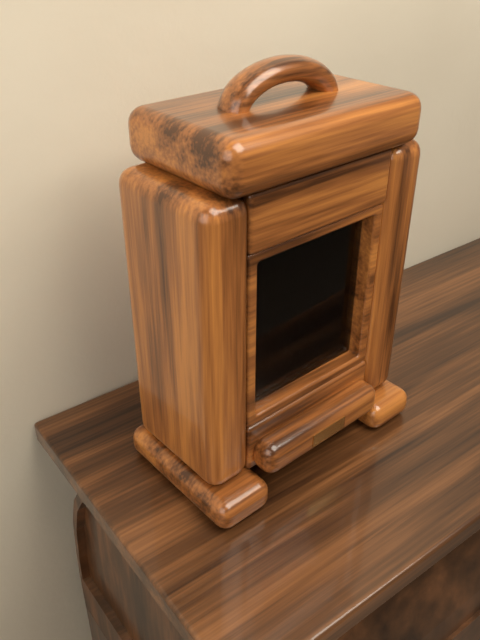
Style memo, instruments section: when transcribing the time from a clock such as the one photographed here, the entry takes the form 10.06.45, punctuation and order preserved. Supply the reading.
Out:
9.55.00
